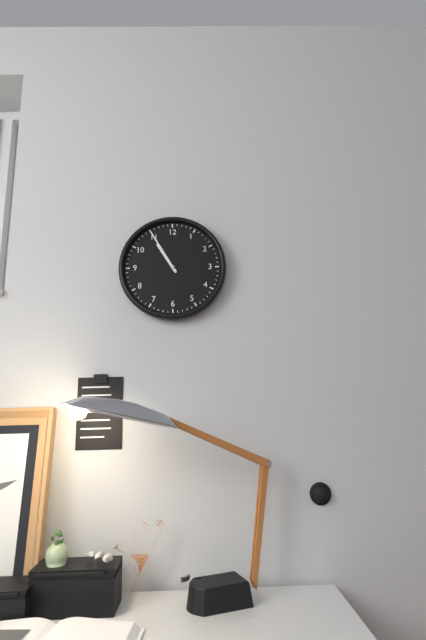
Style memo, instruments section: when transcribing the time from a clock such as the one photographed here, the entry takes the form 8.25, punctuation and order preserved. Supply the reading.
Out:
10.55
